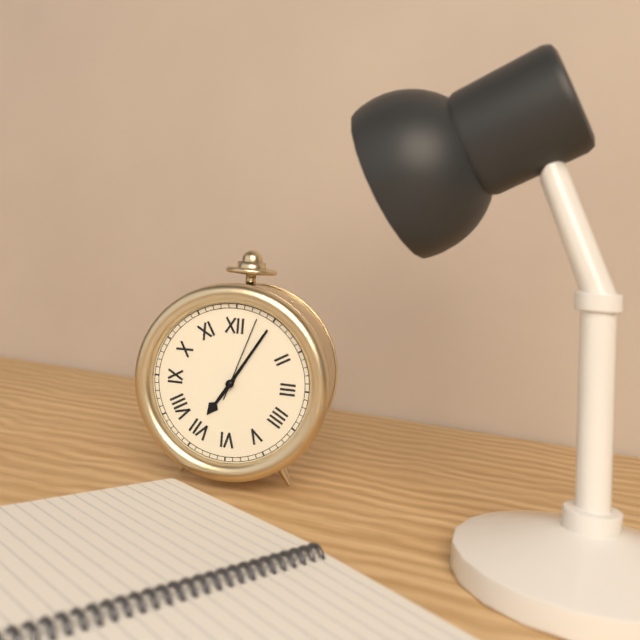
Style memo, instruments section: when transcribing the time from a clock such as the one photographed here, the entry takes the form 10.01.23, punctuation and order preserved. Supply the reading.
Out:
7.05.03
